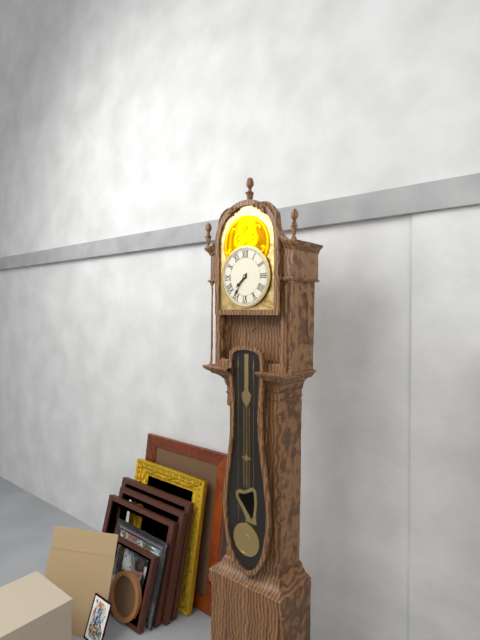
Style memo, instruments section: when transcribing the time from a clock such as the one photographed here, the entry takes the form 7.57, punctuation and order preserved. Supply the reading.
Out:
7.36
